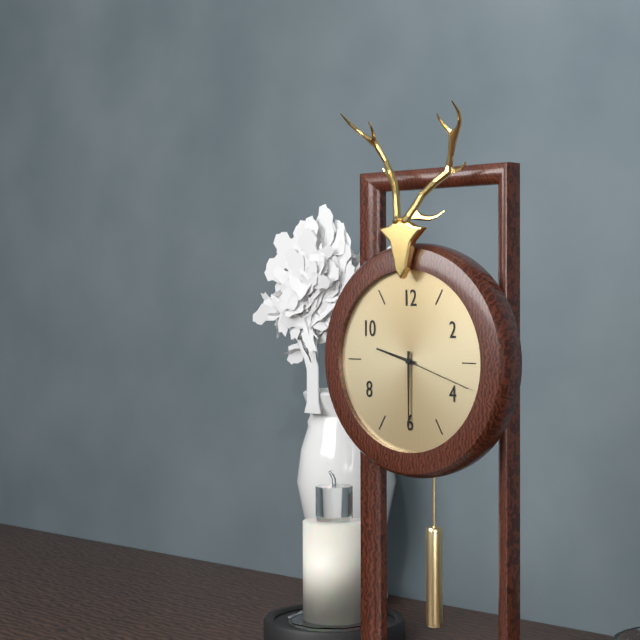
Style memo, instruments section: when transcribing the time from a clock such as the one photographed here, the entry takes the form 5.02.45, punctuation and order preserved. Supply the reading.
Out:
9.30.18
